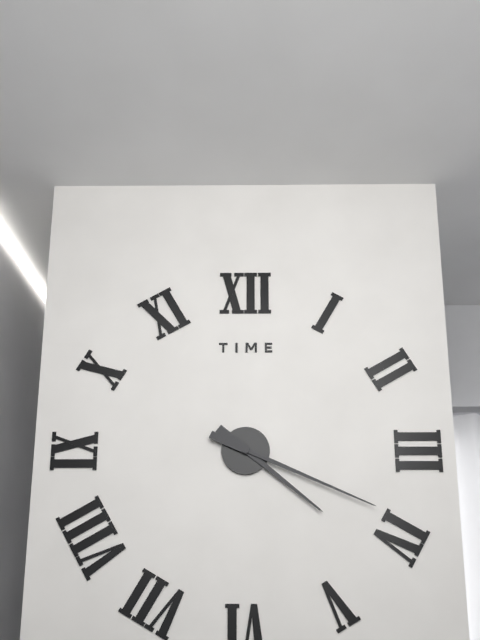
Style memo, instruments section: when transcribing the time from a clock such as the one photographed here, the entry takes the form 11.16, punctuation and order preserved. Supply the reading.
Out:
4.19
